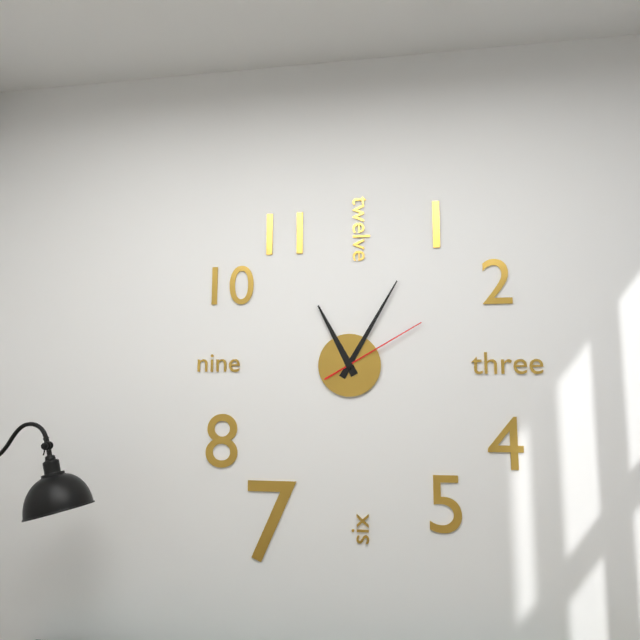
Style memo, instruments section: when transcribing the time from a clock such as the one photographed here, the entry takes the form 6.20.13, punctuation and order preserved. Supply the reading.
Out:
11.05.10
